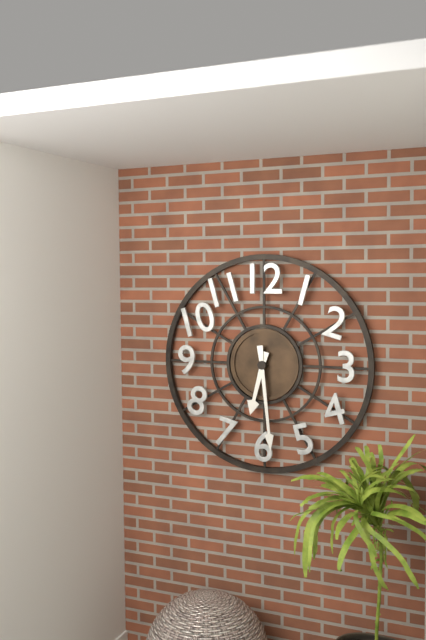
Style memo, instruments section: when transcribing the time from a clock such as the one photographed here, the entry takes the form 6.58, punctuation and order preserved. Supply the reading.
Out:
6.29
